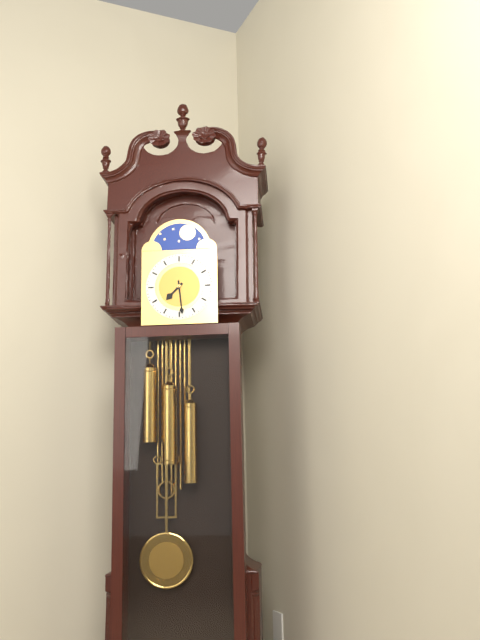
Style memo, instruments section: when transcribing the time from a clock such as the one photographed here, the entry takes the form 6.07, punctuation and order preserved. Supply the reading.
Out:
7.29
